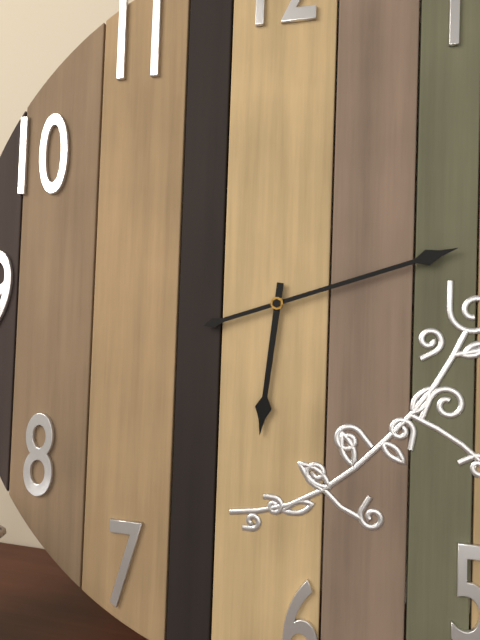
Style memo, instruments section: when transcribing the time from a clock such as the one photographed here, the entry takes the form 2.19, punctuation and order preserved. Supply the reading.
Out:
6.12
